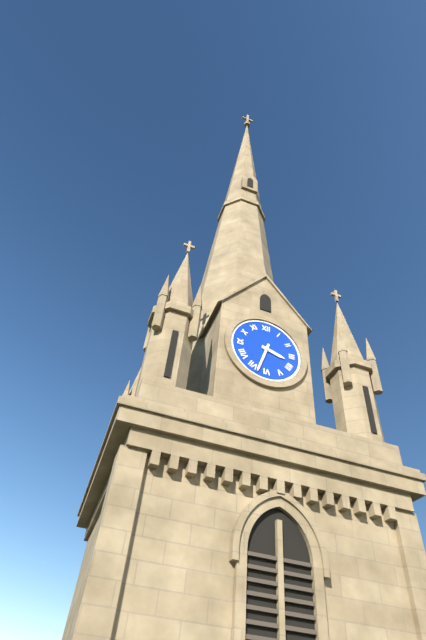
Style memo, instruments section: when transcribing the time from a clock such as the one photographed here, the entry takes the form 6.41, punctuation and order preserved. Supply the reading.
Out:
3.33
